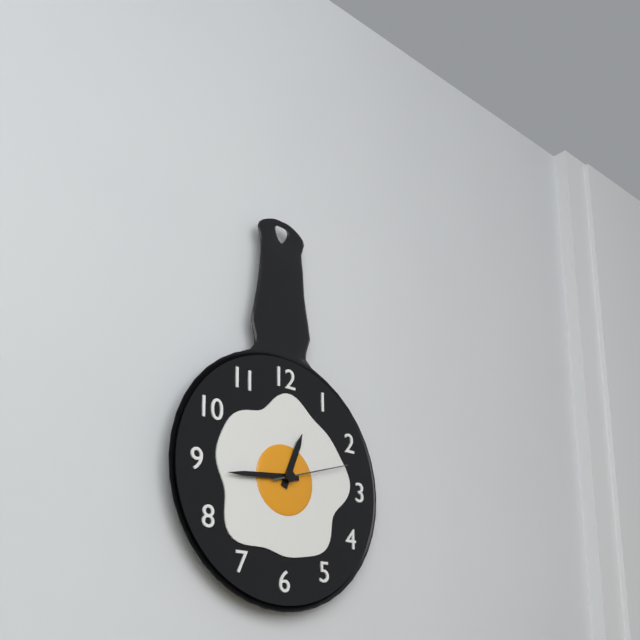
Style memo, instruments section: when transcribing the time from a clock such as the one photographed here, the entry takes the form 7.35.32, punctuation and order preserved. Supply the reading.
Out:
12.44.12
